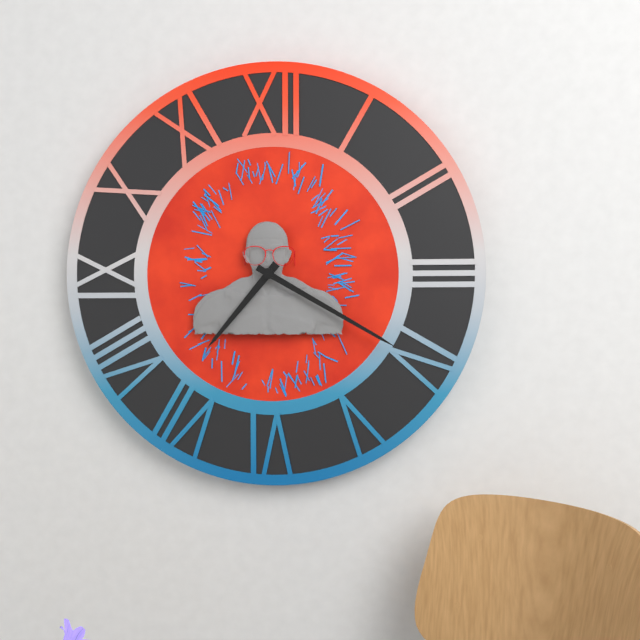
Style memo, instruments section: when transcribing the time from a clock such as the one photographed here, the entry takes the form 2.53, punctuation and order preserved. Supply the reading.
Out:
7.20
